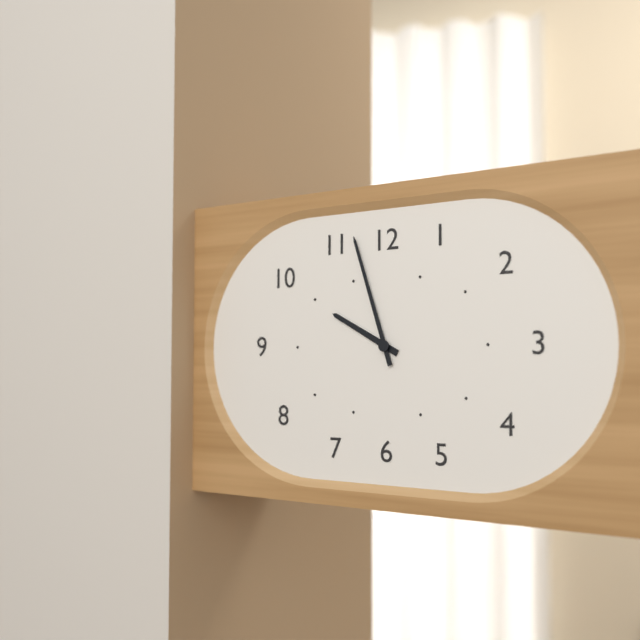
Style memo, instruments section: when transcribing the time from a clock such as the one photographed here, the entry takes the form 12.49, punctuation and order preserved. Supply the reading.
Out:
9.57
